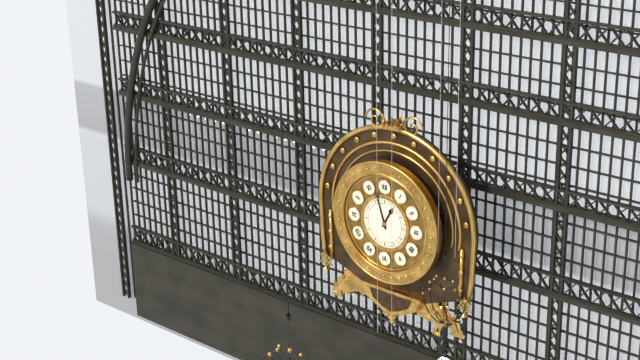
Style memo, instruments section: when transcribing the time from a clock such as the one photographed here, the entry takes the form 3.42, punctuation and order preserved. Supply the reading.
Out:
12.57
